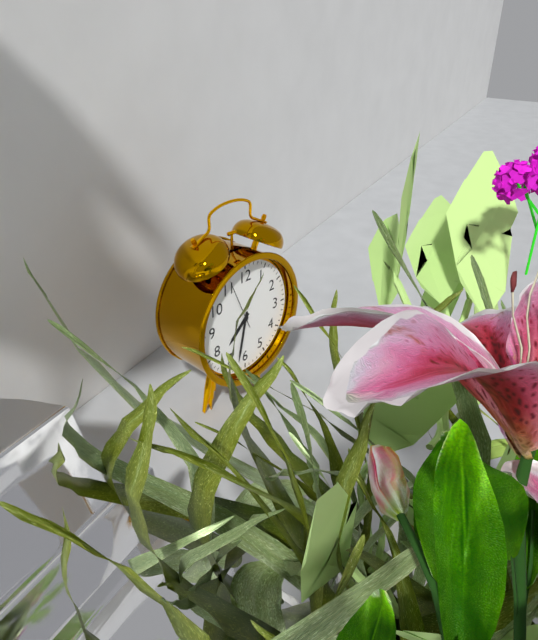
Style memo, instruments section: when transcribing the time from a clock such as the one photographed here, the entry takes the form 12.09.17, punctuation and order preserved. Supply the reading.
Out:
7.32.56
